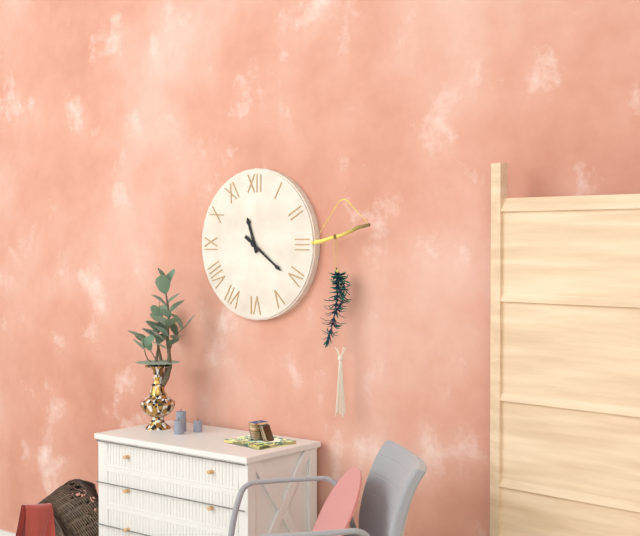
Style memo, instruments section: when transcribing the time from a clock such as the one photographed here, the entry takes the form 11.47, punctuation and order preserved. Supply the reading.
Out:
11.21
